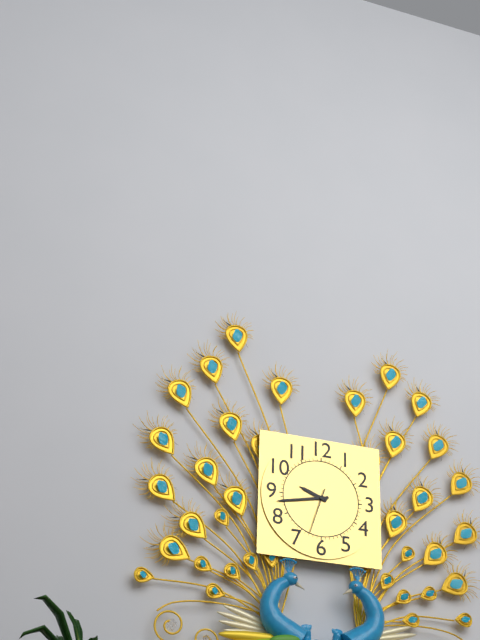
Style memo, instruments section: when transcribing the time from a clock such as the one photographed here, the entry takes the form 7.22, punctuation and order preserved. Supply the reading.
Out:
9.43
